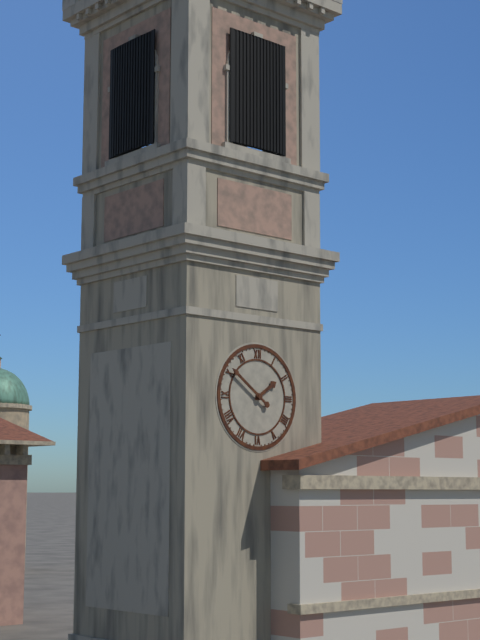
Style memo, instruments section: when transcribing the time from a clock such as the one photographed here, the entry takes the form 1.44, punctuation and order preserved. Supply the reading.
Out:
1.51
